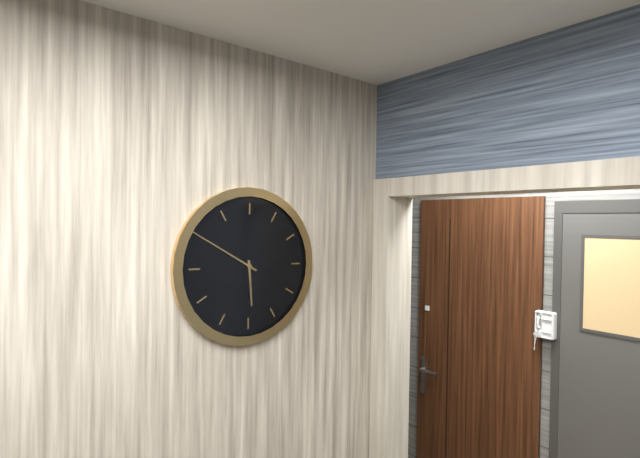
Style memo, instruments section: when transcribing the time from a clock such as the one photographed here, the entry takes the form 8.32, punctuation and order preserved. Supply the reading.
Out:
5.50
